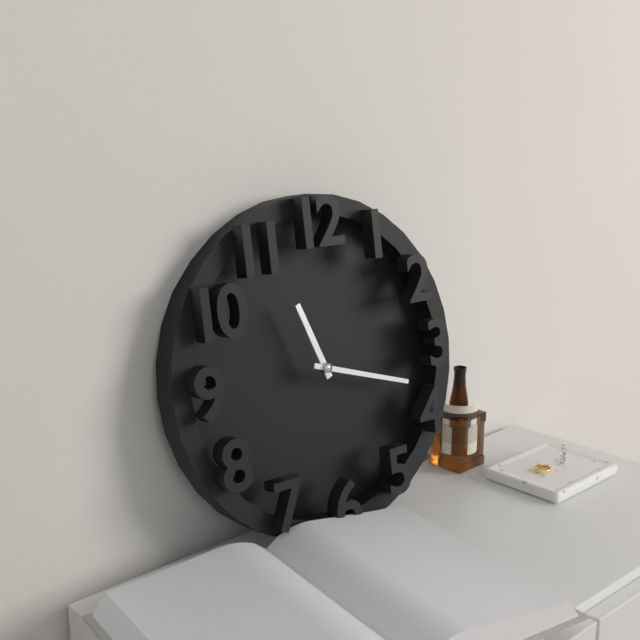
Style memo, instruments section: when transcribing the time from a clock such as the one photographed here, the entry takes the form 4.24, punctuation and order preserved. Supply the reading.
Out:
11.18
